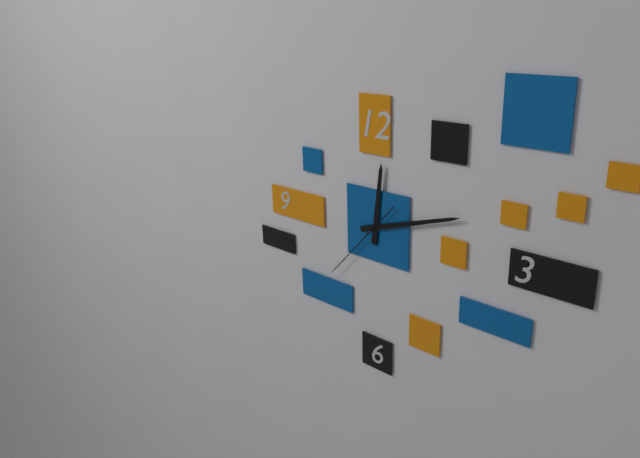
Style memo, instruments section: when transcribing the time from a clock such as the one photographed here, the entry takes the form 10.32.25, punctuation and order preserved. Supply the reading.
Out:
12.12.37
